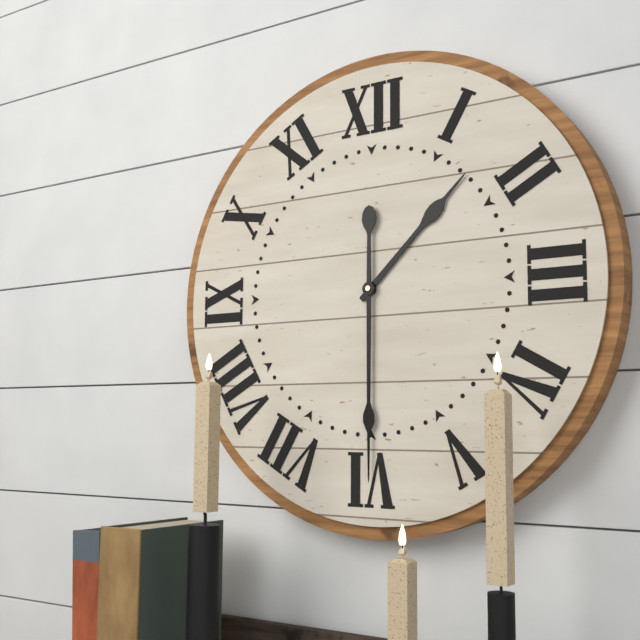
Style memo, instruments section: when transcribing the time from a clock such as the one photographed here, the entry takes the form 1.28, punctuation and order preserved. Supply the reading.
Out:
1.30
